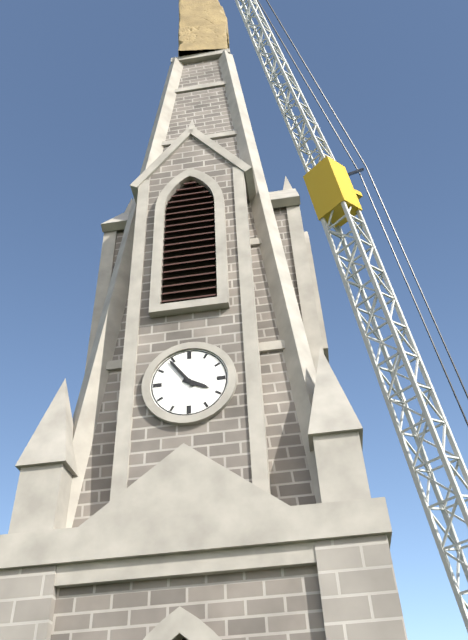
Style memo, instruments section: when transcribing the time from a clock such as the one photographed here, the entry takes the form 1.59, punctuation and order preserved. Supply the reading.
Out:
3.54
